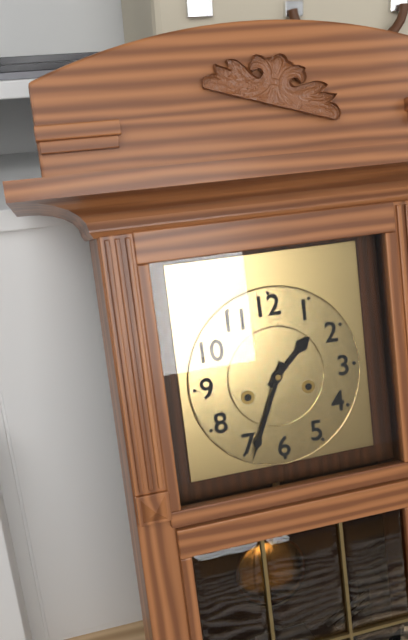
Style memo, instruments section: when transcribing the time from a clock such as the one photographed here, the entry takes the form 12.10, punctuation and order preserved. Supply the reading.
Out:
1.34
